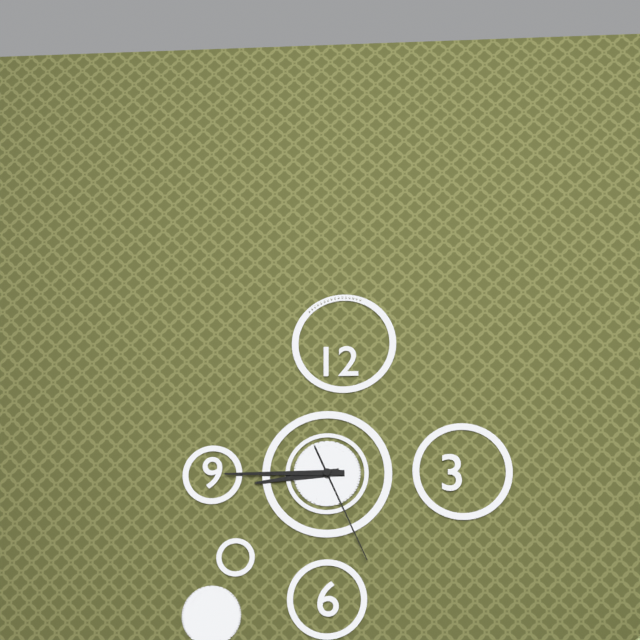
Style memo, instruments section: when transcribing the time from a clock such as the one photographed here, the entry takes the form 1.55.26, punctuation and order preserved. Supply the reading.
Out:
8.45.26
